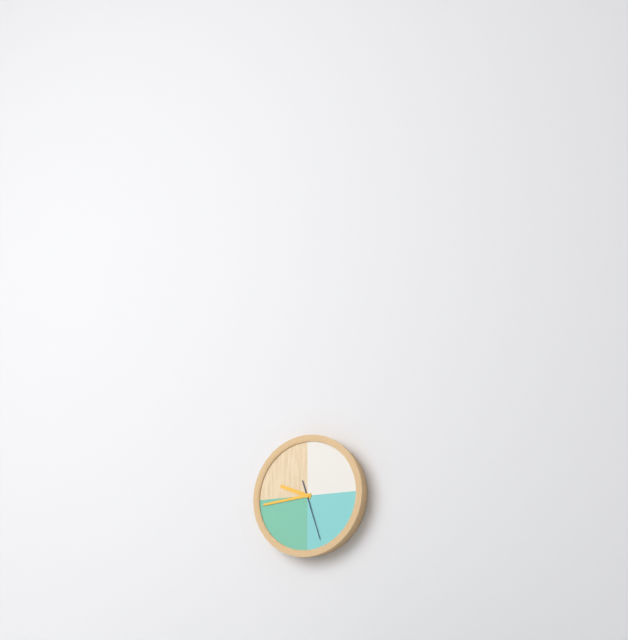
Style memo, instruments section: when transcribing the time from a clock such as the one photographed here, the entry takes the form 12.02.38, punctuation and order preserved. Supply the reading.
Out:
9.44.27
